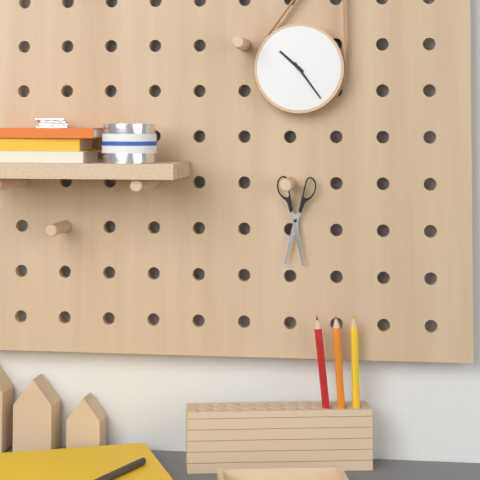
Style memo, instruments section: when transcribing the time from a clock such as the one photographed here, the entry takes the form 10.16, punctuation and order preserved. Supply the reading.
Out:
10.24
